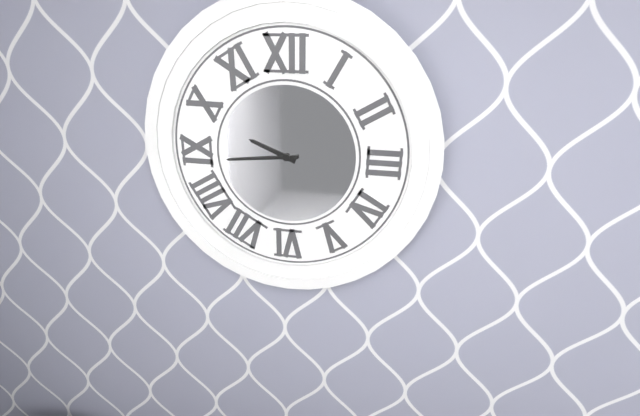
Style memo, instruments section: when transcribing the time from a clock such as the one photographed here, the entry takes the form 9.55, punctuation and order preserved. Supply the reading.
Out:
9.44
